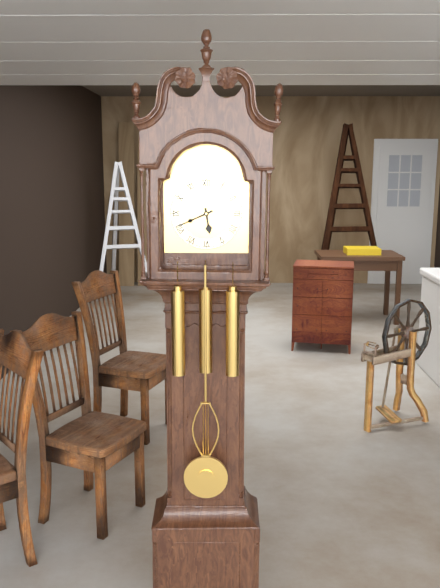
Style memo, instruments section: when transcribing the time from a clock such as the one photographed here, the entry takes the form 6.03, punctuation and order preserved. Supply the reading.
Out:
5.41
